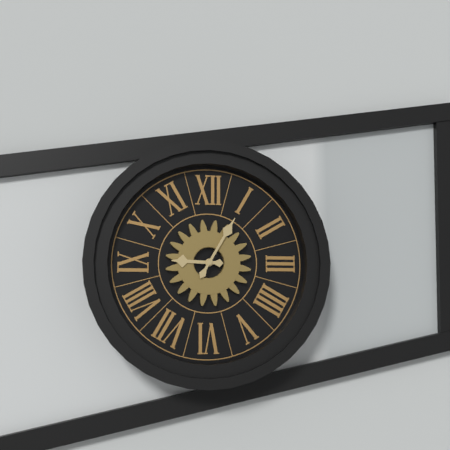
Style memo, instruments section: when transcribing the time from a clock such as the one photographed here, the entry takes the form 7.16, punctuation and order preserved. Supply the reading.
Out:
9.05
